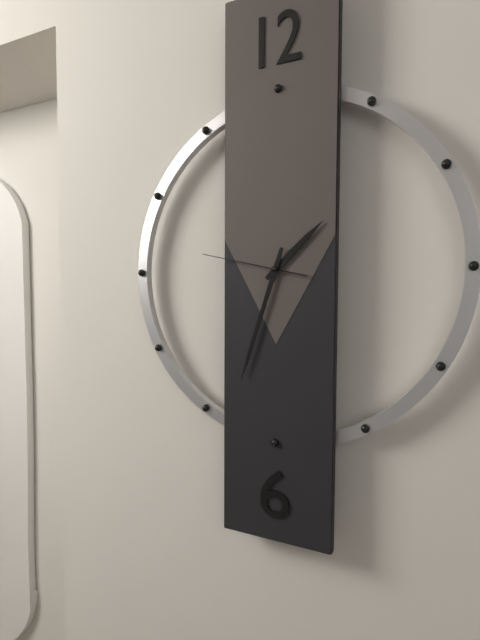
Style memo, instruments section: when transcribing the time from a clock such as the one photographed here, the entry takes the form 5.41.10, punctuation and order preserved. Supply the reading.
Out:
1.33.47
